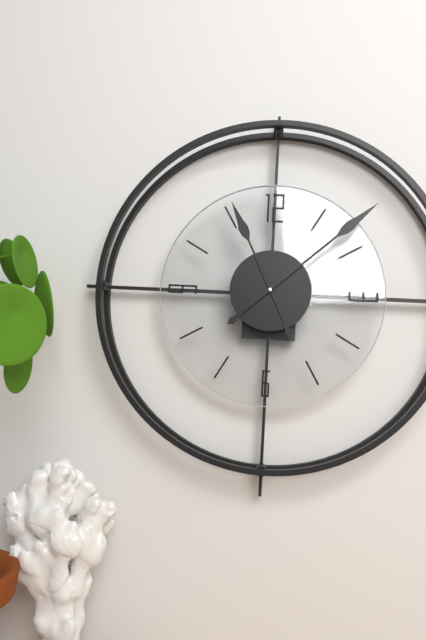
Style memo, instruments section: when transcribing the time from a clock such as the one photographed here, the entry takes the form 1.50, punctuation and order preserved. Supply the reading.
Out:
11.08
